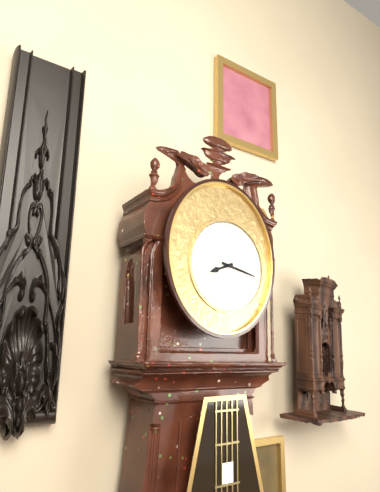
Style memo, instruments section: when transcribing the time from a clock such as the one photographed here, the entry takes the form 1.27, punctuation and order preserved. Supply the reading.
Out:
8.17
